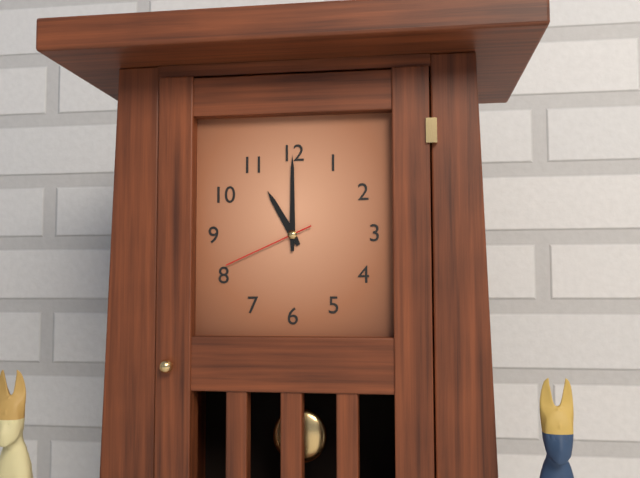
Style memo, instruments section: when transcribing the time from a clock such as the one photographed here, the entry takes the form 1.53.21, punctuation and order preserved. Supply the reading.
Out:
11.00.41
